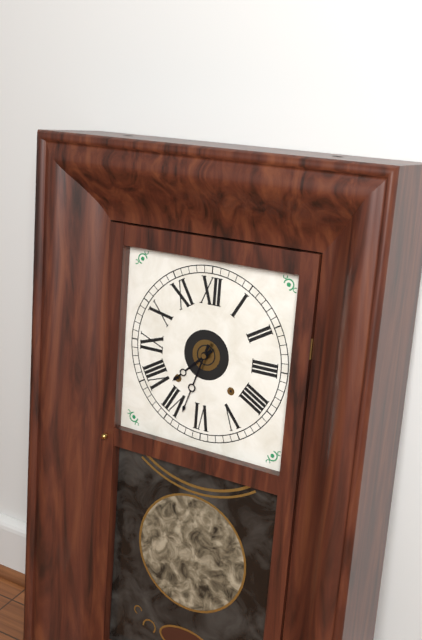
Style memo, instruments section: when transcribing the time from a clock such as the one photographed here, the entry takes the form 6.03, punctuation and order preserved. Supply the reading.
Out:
7.33
